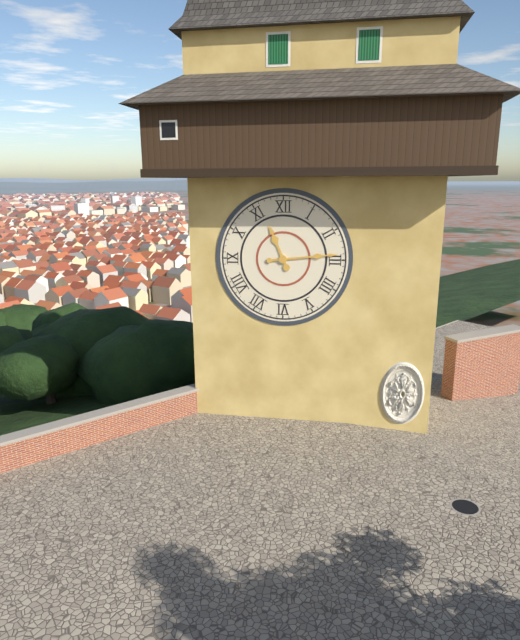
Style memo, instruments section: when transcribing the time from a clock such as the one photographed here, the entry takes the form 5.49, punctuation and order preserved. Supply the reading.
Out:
11.14
